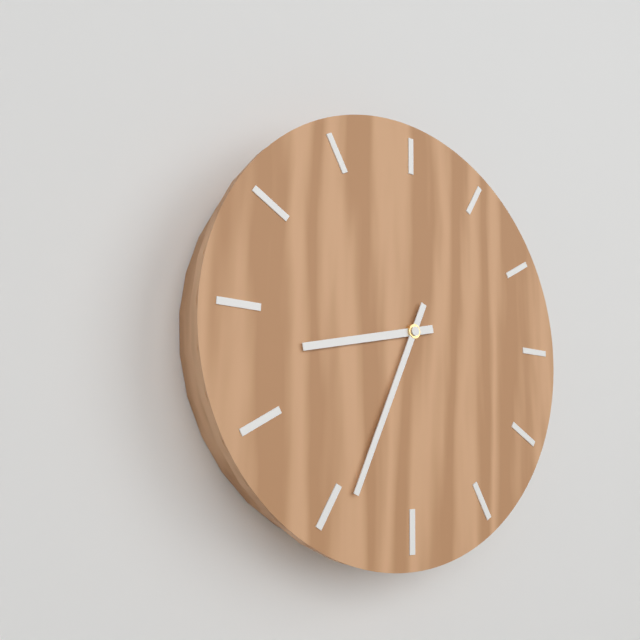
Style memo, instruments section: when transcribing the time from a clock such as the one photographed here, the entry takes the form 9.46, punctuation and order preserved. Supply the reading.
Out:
8.34
